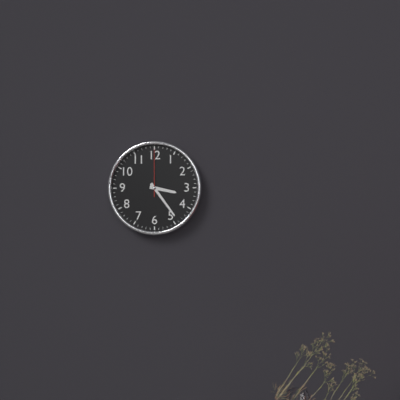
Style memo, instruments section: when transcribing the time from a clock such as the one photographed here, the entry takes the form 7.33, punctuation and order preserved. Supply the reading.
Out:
3.24
